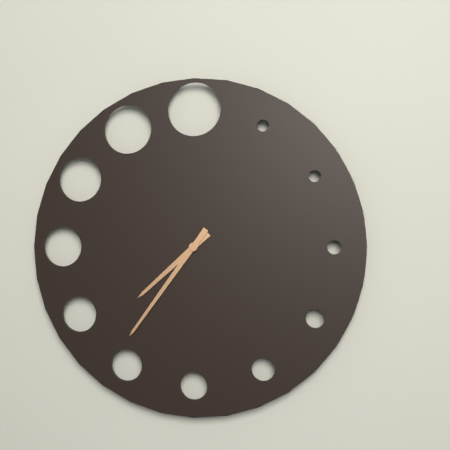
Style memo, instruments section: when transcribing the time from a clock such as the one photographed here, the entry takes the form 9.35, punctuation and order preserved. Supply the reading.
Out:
7.36
